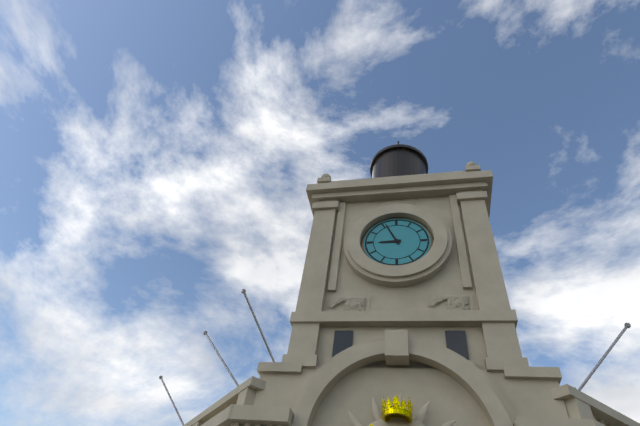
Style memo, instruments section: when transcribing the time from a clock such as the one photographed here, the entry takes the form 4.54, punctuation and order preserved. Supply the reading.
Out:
8.56
